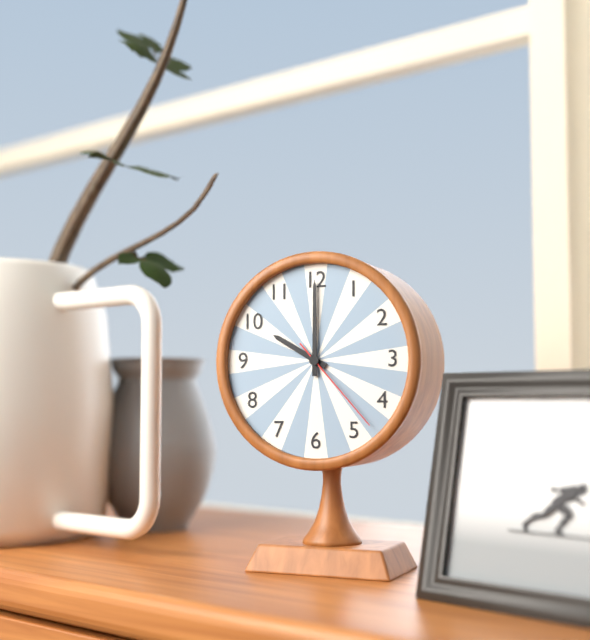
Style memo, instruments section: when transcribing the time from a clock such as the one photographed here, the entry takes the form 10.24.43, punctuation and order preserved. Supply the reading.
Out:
10.00.23
